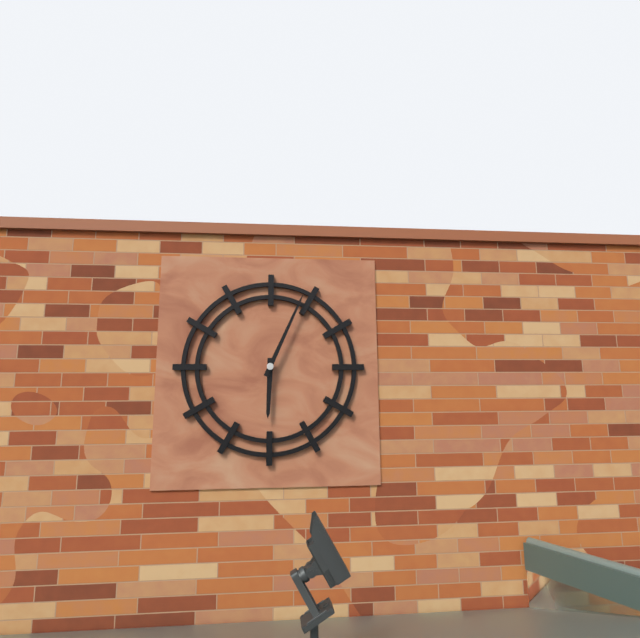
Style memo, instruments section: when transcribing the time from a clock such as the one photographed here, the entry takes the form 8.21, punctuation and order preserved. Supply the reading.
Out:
6.04
